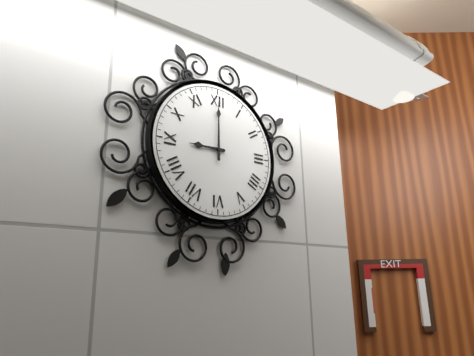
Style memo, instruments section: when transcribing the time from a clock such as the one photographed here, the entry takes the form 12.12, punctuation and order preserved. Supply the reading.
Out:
9.00
